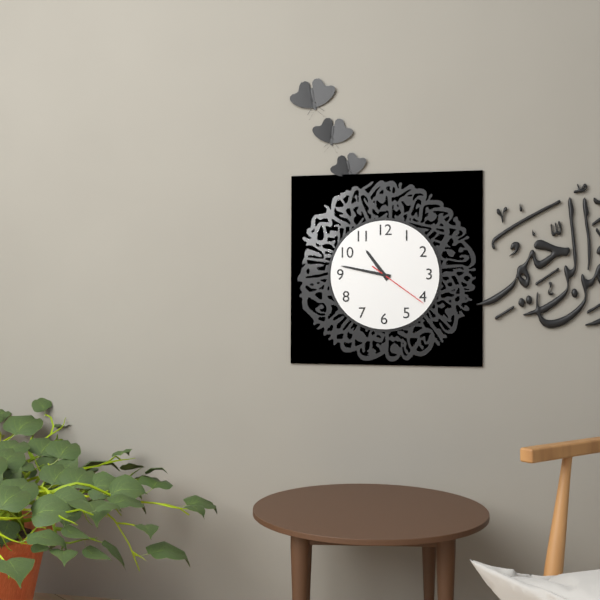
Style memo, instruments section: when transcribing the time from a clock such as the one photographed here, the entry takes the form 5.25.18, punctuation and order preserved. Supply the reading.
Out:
10.47.21
